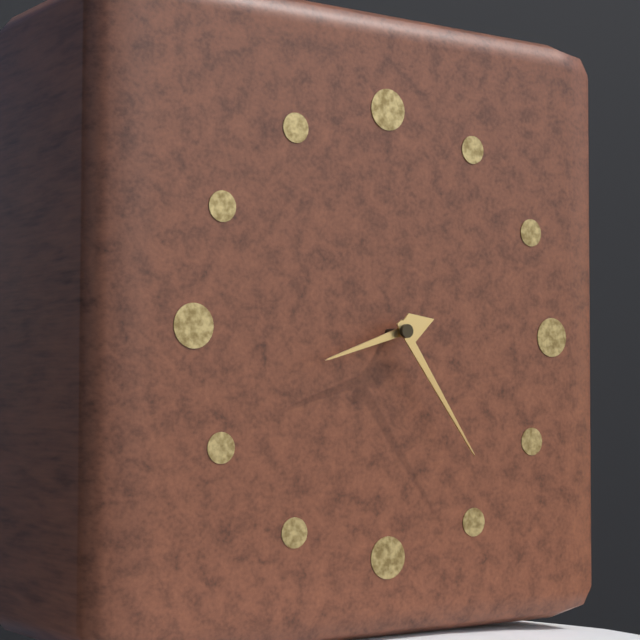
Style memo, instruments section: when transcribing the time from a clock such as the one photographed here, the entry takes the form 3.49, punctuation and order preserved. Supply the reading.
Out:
8.24
